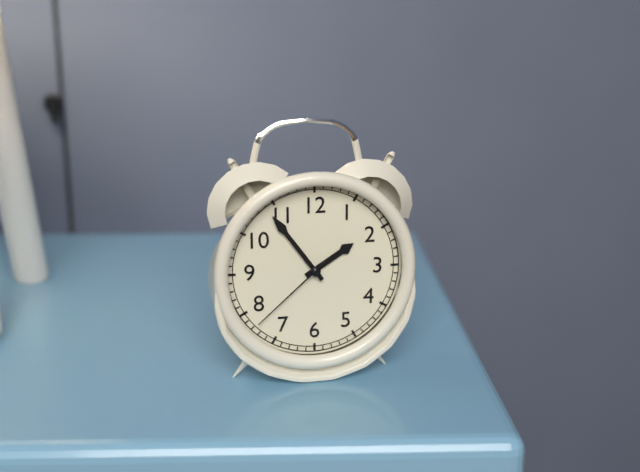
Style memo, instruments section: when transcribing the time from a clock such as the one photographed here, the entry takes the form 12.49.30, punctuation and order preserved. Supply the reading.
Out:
1.54.38
